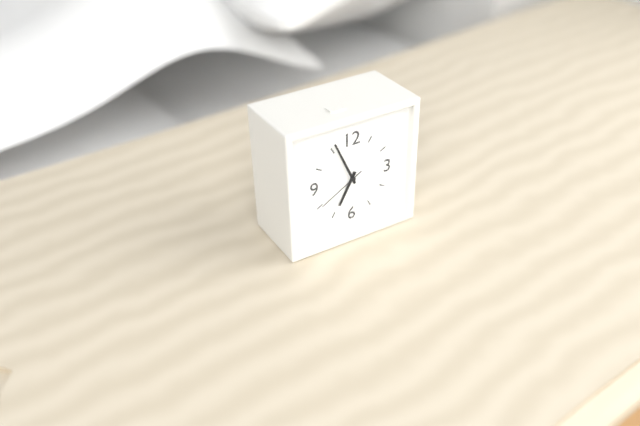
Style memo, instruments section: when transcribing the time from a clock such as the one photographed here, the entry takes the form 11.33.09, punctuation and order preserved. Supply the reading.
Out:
6.56.40
